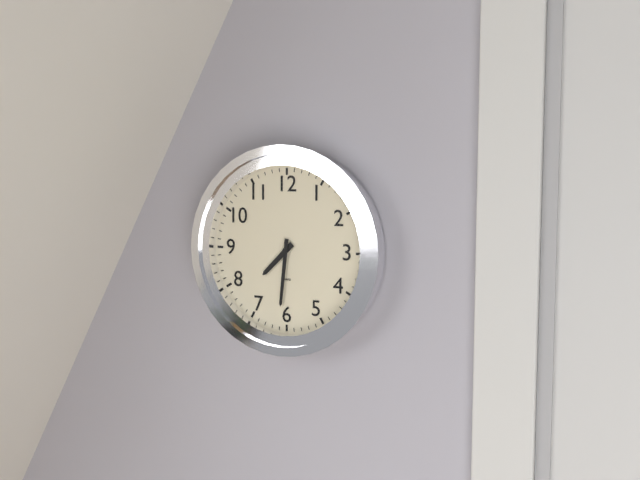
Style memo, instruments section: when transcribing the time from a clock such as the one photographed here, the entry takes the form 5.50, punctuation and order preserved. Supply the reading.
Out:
7.31
